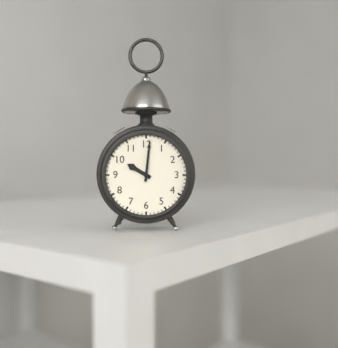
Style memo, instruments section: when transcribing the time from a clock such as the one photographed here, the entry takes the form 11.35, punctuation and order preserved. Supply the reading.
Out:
10.01
